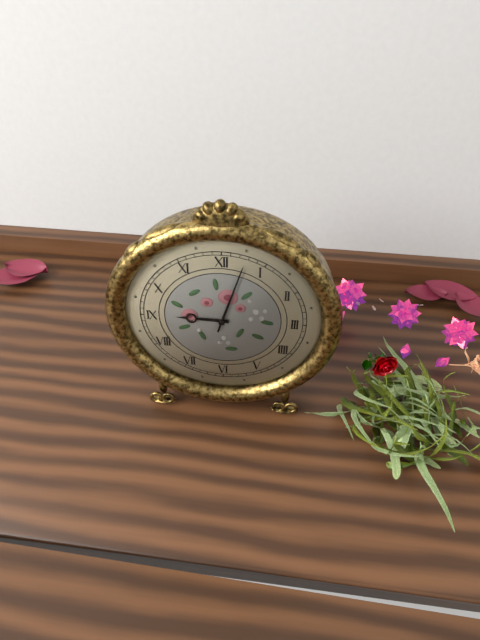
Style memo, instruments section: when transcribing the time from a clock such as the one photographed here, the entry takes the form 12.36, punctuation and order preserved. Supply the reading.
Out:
9.03
